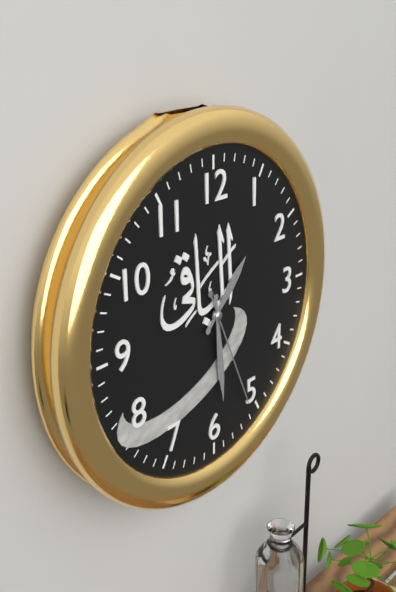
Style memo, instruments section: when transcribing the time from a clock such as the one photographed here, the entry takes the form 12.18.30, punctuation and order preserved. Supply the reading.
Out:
1.29.26
